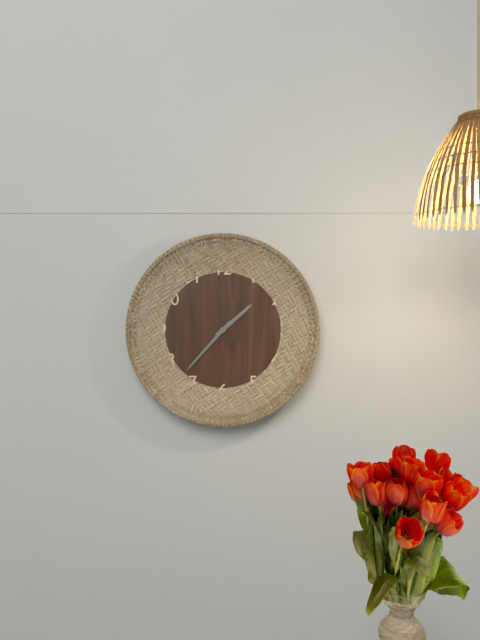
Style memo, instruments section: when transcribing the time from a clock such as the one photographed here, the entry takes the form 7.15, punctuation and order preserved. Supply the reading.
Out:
1.37
